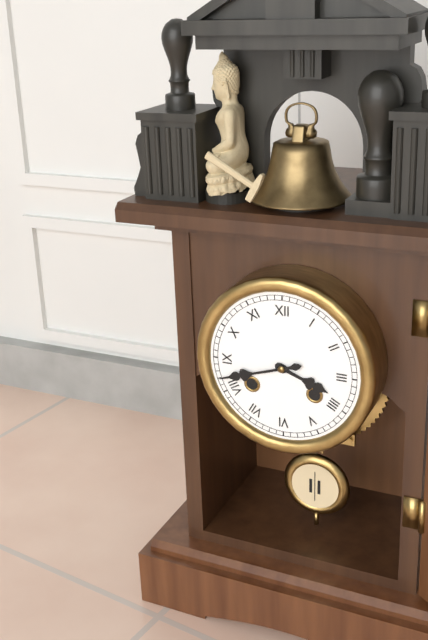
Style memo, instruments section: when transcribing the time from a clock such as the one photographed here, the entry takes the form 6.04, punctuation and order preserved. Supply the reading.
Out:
3.42
